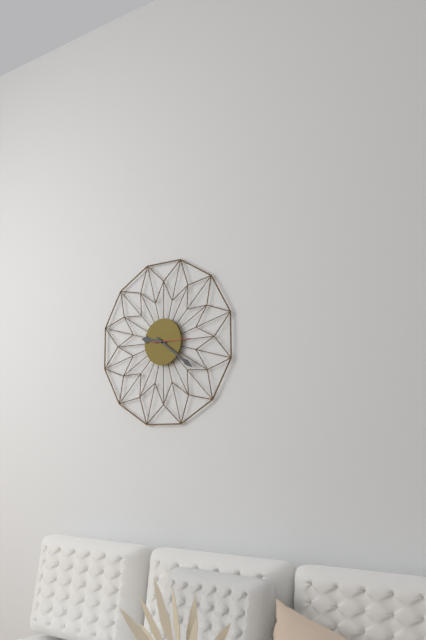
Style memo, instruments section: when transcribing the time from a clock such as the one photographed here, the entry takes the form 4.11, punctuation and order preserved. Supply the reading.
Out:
9.21
